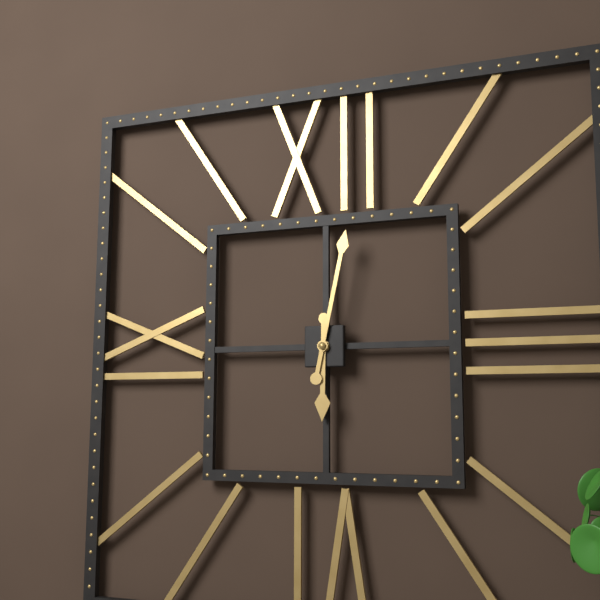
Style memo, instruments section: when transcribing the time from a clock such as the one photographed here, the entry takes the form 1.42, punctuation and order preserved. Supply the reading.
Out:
6.02
